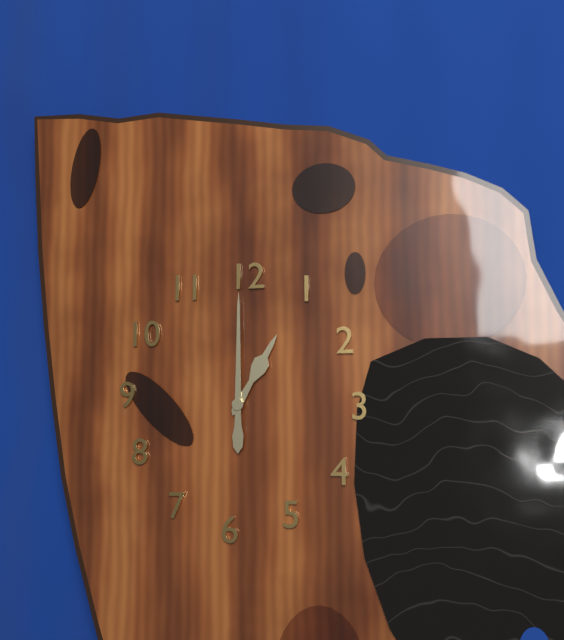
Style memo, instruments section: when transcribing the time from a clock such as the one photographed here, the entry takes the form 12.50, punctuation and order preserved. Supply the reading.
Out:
1.00
